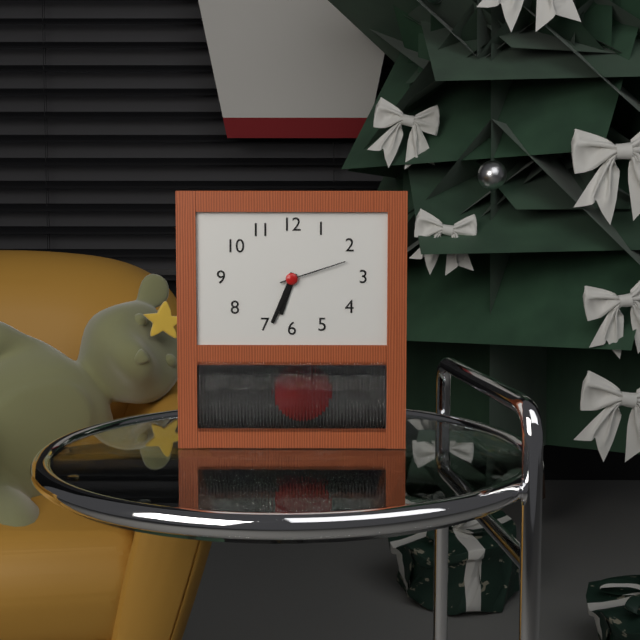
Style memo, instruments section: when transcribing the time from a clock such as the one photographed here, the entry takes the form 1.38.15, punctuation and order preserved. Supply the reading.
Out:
6.34.12
